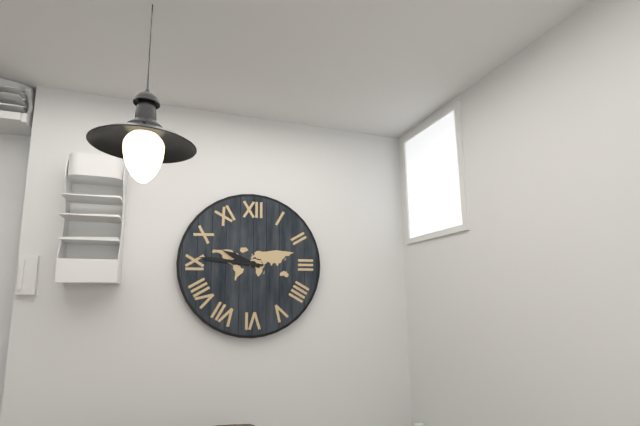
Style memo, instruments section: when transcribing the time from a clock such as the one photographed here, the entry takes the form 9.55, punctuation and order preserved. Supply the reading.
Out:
9.46
